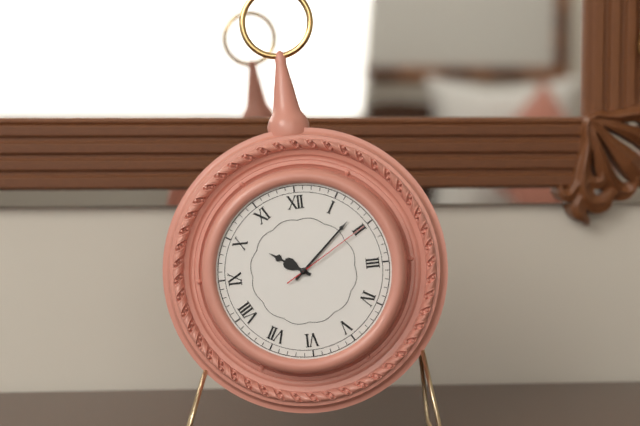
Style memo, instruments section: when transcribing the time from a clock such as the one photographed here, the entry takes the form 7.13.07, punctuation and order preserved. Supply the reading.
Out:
10.08.10
